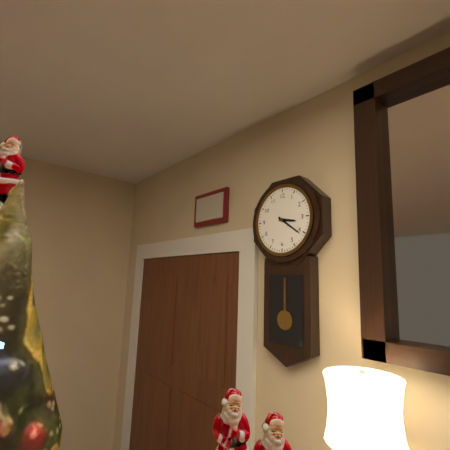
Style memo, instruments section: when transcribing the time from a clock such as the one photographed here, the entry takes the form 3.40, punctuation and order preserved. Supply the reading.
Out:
3.21
